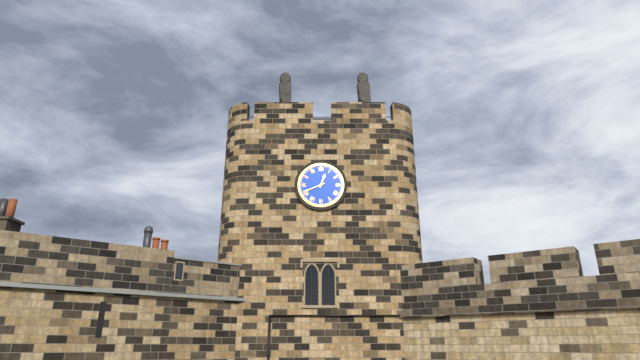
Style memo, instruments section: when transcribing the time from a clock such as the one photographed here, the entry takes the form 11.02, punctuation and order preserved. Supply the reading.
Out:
12.41
